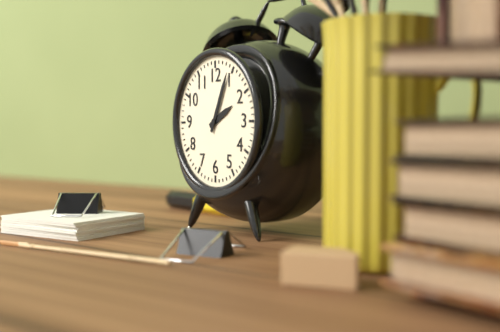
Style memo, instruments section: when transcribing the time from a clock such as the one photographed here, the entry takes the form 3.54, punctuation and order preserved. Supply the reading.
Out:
2.04
